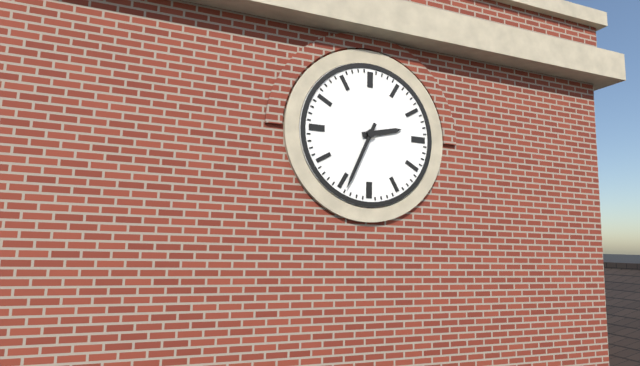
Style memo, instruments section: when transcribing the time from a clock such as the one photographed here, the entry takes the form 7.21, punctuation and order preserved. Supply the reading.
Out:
2.34
